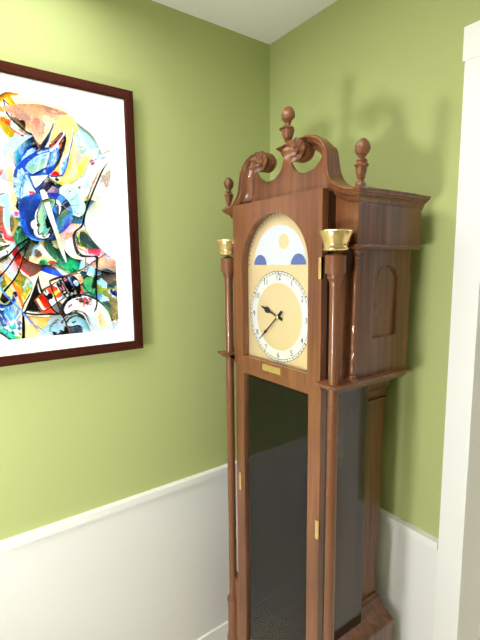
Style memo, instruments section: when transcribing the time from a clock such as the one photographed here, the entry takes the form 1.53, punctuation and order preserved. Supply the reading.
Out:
9.38
